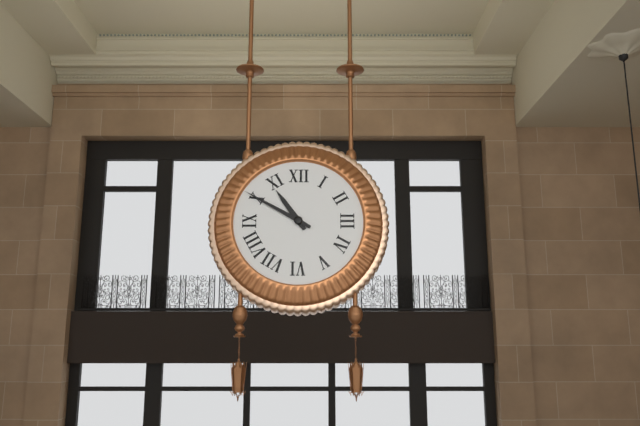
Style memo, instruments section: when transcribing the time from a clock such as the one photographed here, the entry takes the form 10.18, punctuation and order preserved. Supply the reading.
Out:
10.50
